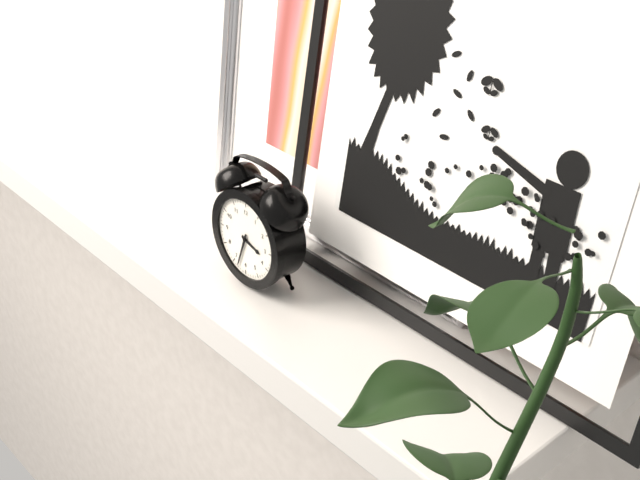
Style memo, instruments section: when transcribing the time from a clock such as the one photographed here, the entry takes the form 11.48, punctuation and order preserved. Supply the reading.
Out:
3.33
